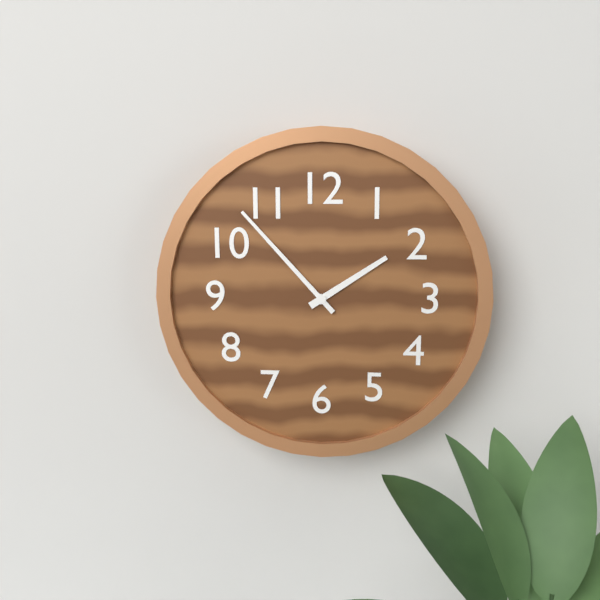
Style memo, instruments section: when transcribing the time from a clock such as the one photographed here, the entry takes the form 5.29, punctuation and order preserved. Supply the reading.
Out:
1.53
